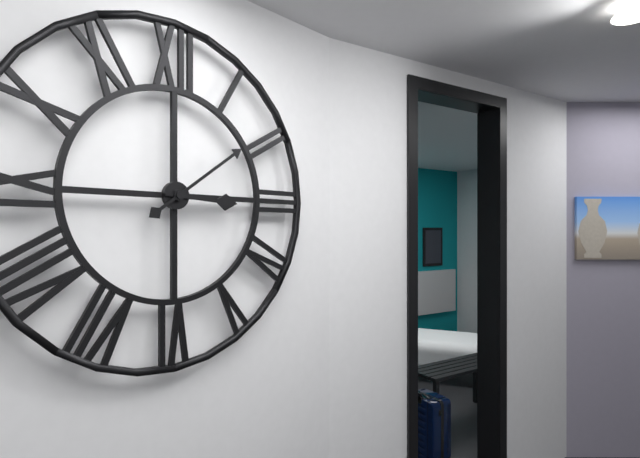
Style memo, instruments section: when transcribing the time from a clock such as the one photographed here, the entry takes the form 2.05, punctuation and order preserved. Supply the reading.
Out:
3.09
